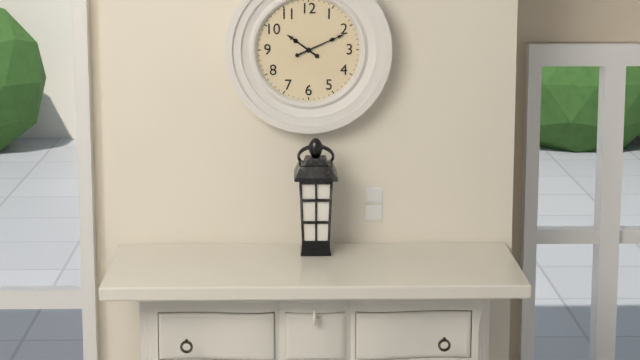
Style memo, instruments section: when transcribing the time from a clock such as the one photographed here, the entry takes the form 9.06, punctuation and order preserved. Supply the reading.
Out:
10.11
